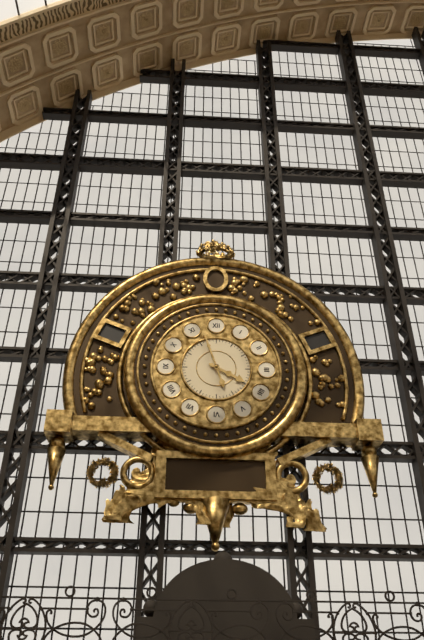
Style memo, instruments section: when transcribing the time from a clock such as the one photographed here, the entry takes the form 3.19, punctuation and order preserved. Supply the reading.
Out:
3.57
